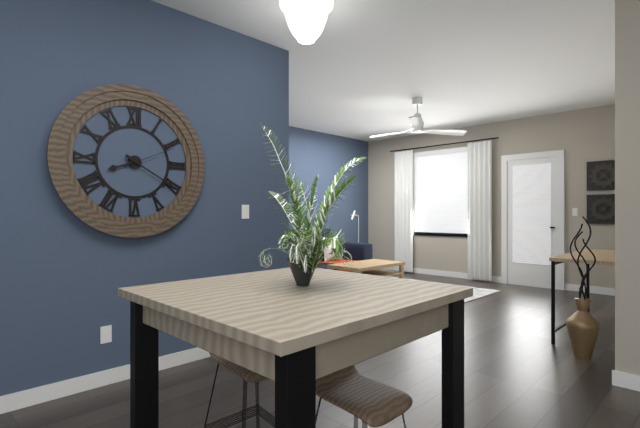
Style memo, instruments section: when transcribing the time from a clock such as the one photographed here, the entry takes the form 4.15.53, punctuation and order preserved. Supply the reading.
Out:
8.20.11
